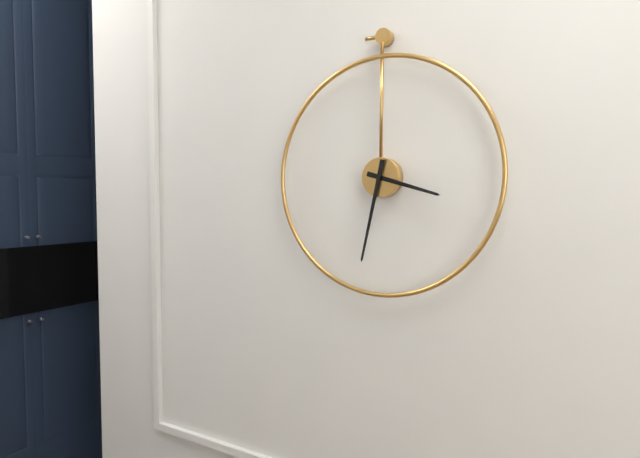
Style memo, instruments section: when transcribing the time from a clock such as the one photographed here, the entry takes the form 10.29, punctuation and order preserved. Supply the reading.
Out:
3.32
